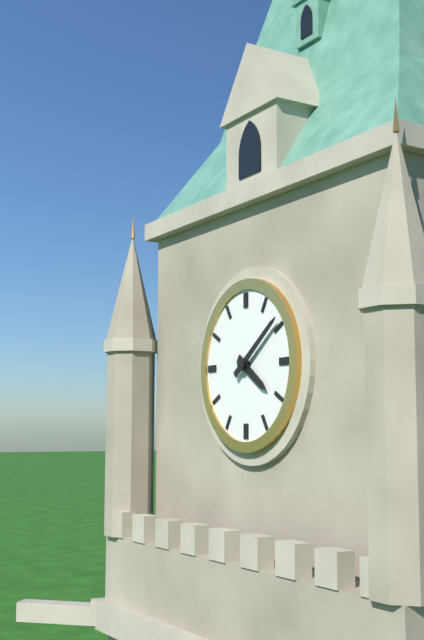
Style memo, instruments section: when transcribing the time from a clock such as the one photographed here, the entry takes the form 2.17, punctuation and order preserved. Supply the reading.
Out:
4.09
